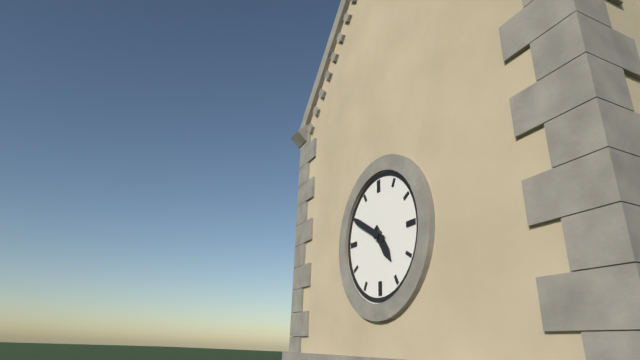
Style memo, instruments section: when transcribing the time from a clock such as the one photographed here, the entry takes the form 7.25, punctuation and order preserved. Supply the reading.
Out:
4.50
